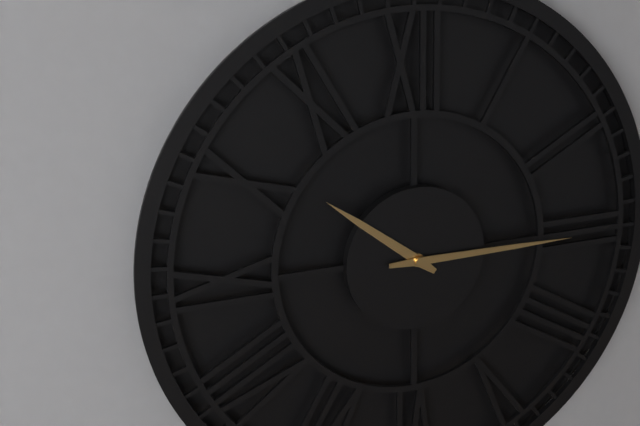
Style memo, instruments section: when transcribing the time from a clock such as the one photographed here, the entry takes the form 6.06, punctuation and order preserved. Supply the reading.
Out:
10.15
